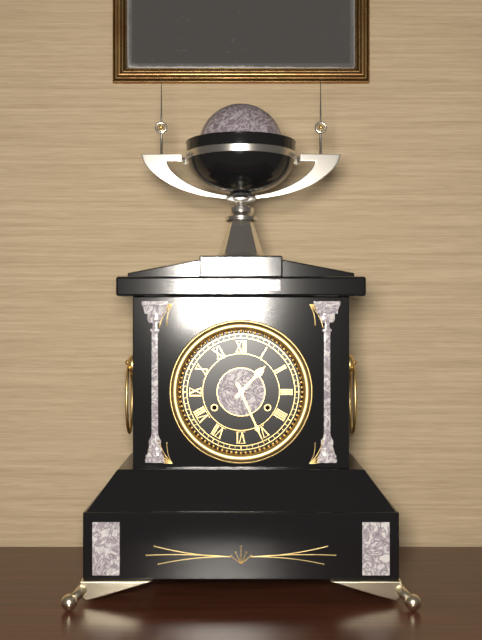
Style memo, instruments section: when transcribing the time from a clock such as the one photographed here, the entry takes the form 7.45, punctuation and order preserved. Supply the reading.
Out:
1.26
